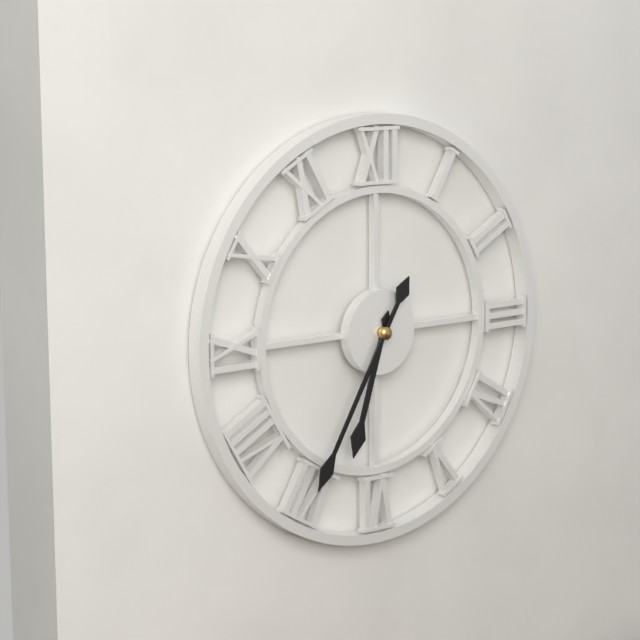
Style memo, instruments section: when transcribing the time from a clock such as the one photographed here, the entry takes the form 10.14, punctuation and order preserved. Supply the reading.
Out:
6.35
